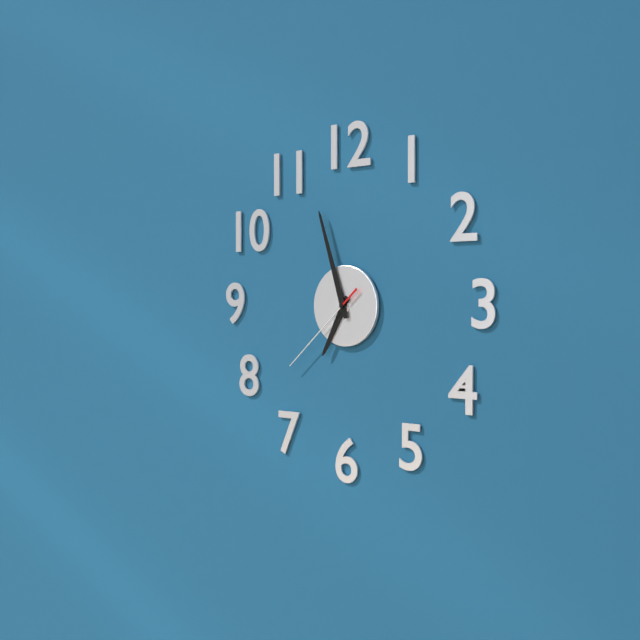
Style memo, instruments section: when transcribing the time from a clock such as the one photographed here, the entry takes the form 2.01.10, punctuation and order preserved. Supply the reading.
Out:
6.57.38
